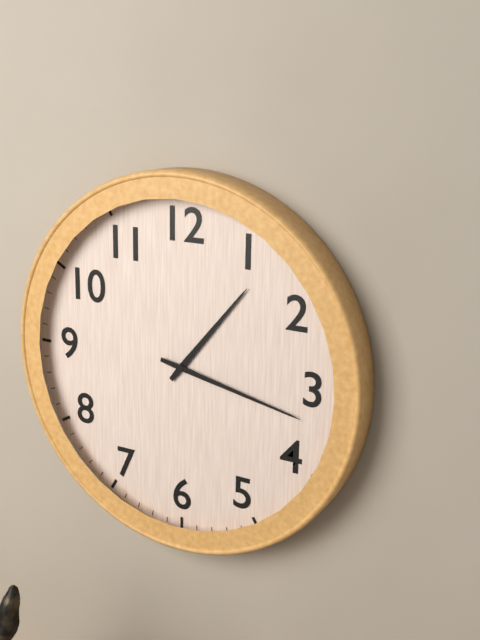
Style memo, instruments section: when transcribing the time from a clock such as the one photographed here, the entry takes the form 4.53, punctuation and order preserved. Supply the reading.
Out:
1.17
